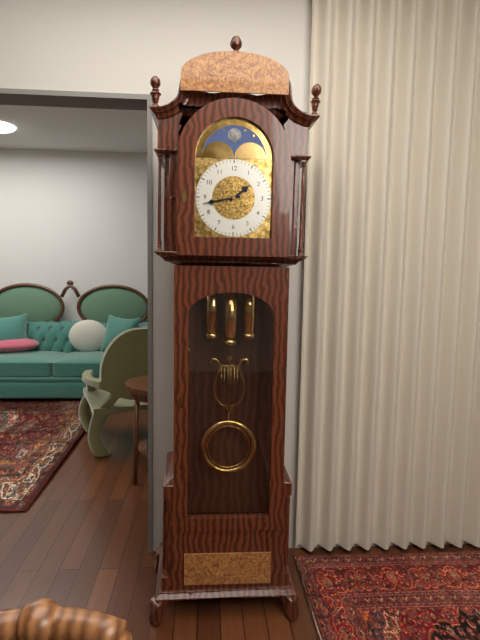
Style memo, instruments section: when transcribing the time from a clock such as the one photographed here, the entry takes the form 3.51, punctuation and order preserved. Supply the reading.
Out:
1.43
